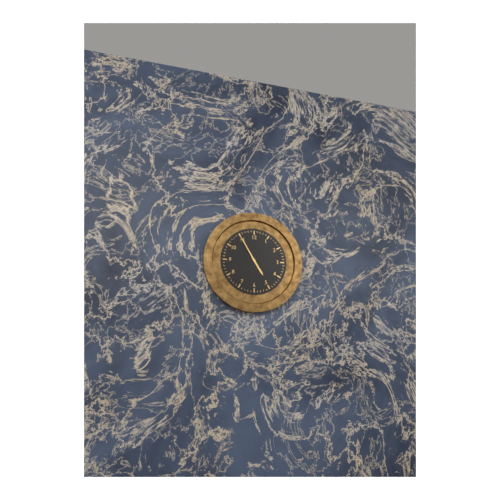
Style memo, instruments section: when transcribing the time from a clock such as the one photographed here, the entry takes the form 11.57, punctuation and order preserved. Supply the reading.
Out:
4.55
